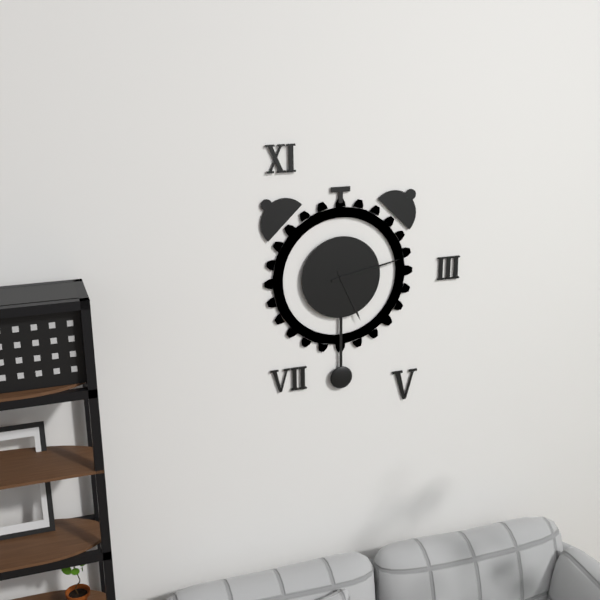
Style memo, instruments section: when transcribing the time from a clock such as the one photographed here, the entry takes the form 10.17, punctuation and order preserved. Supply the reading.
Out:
5.13
